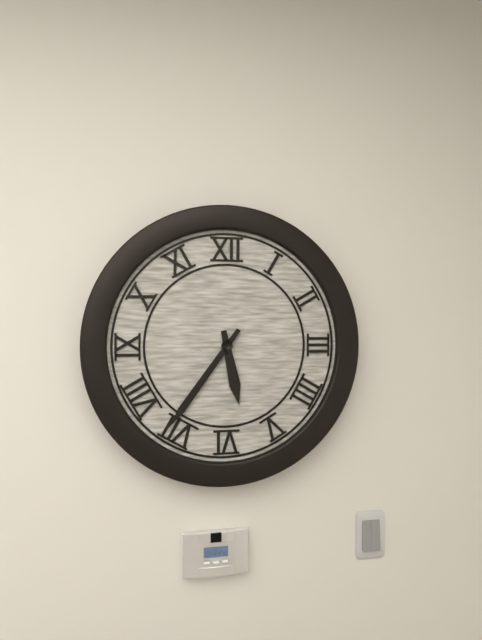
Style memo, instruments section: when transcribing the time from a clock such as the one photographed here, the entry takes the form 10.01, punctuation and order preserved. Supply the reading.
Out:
5.36
